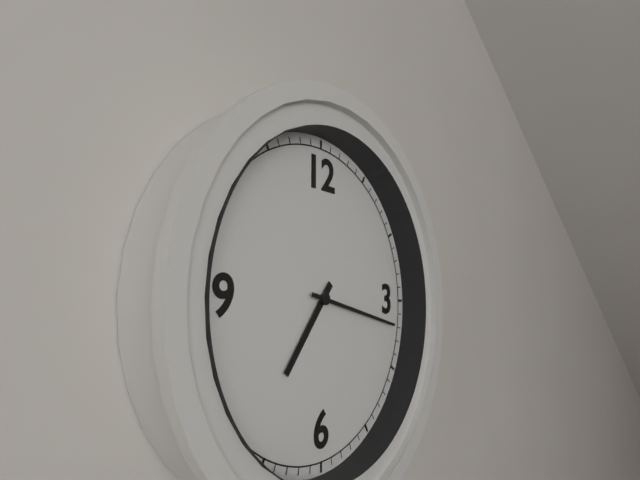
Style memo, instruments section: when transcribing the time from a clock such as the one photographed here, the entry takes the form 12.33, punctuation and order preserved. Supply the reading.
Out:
7.17
